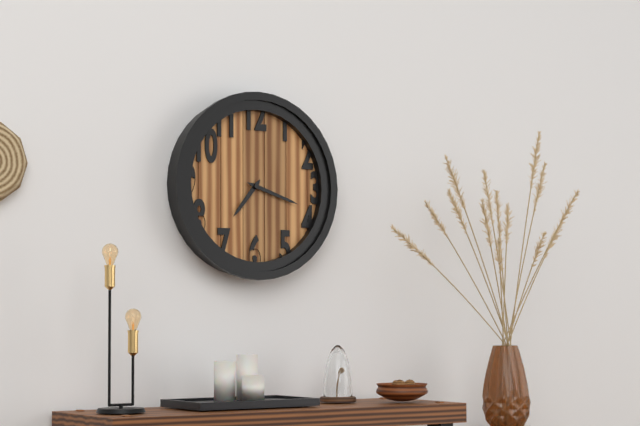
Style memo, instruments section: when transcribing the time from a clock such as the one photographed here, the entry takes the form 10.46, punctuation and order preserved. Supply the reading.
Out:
7.18
